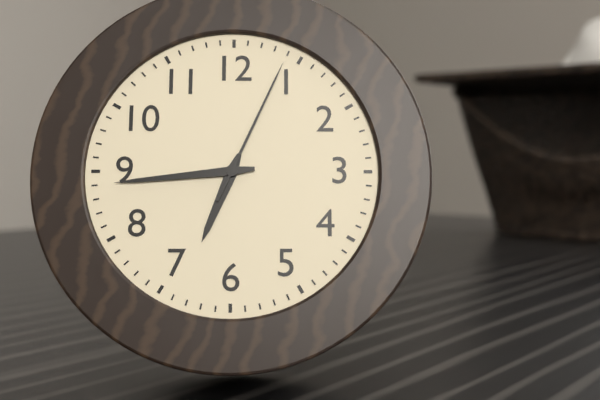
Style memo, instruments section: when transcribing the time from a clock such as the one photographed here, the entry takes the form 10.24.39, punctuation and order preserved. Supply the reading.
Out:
6.44.04
